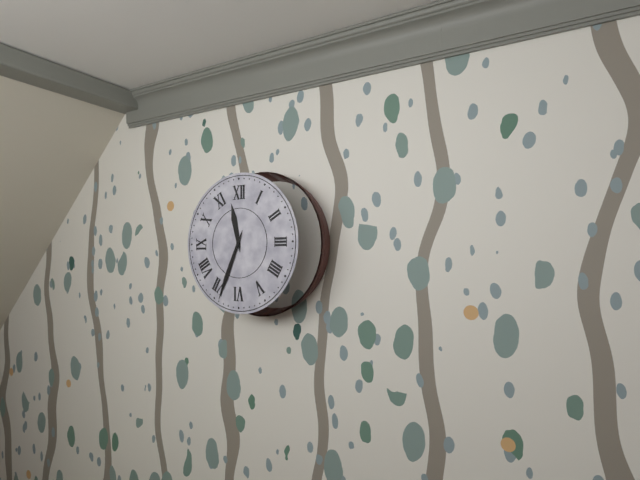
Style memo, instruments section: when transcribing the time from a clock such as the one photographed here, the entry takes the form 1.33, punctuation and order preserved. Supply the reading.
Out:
11.34
